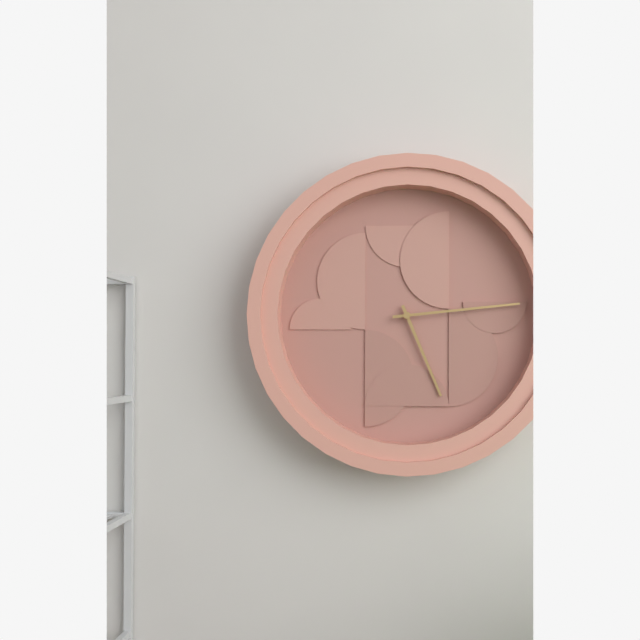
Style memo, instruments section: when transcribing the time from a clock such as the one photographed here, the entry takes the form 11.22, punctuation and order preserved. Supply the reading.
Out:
5.14
